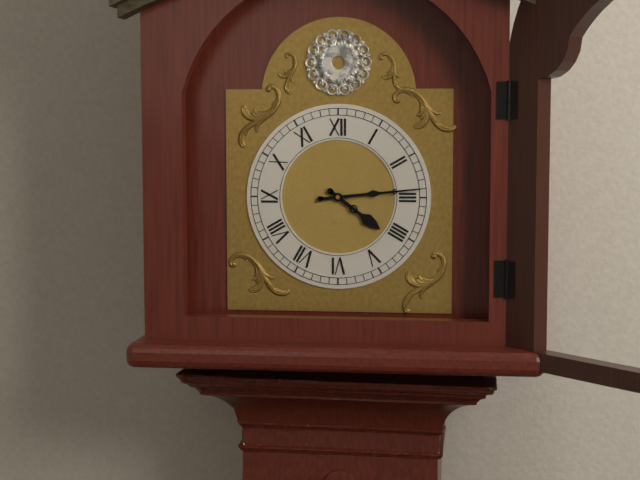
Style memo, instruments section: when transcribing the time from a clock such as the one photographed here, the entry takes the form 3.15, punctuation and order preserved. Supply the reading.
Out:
4.14
